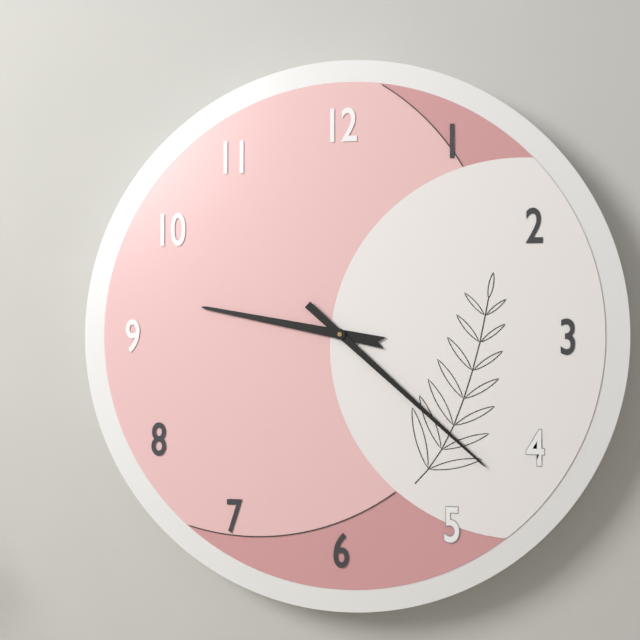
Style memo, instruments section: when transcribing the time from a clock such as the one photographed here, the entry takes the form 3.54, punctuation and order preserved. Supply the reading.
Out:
9.22
